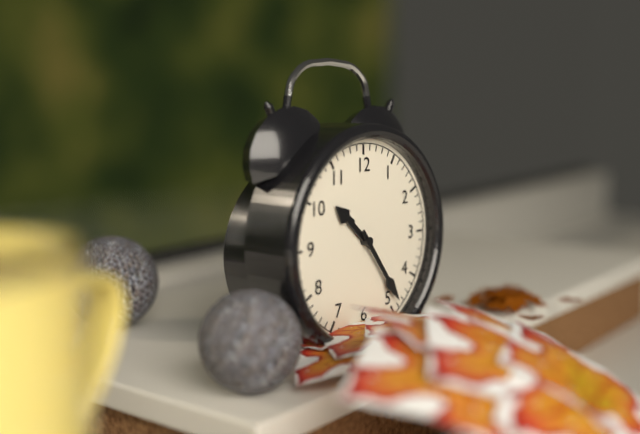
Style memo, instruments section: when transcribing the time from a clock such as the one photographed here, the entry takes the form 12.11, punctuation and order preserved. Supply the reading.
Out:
10.24
